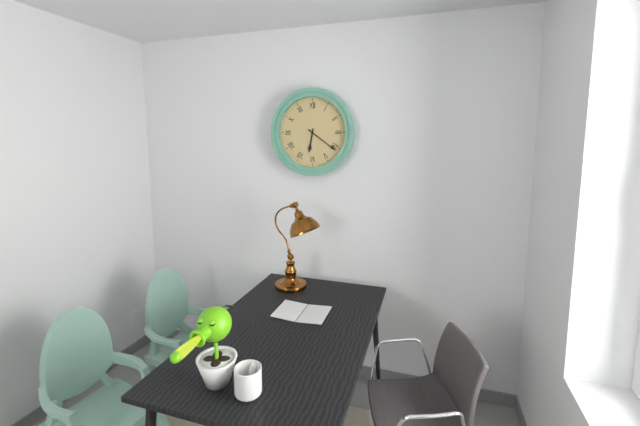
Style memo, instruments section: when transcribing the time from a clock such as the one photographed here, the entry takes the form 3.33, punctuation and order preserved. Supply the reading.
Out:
6.21
